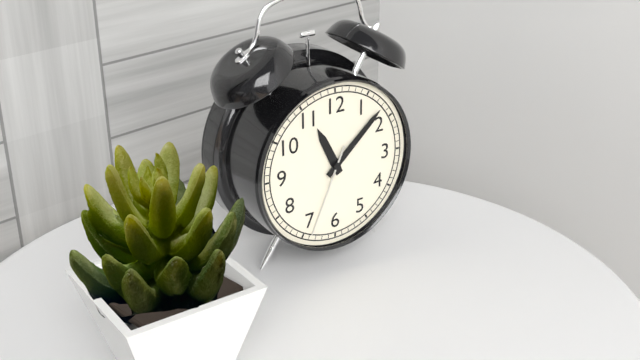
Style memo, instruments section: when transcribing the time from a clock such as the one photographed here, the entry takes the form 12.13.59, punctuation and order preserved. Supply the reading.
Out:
11.08.34
